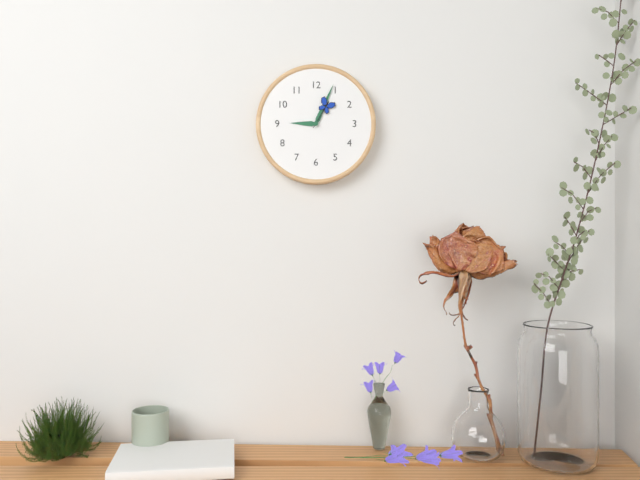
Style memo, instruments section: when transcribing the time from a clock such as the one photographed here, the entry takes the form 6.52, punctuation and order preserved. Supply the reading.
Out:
9.04
